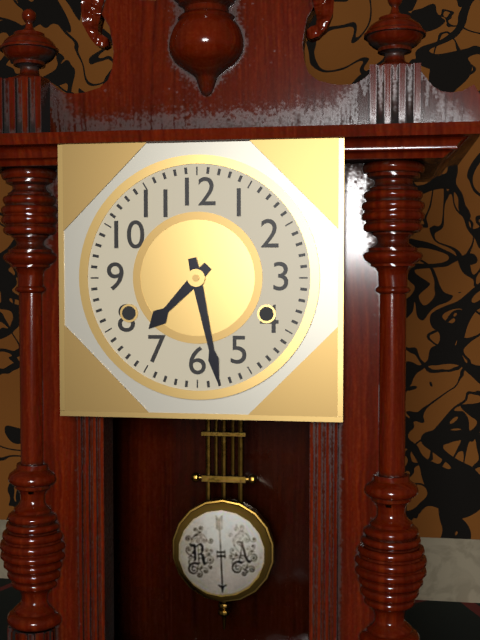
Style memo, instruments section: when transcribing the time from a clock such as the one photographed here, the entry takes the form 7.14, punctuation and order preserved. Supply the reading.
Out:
7.28
